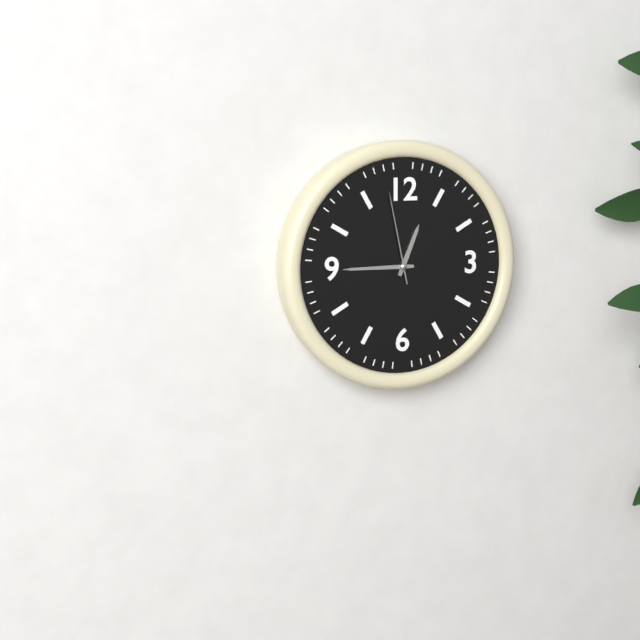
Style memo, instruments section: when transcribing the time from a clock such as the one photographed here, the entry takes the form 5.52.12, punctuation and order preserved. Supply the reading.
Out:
12.45.58
